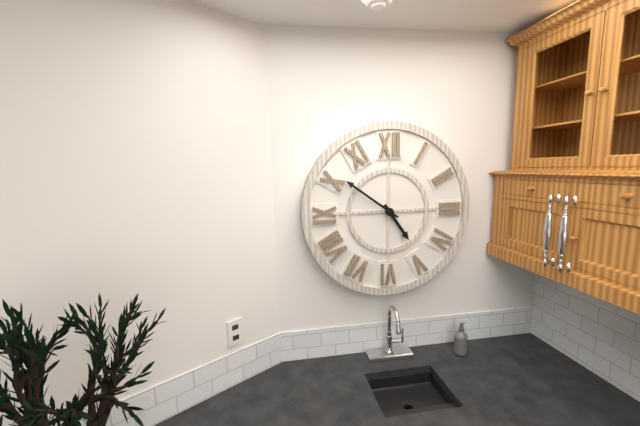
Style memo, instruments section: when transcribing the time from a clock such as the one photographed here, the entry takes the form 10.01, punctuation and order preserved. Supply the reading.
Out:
4.51
